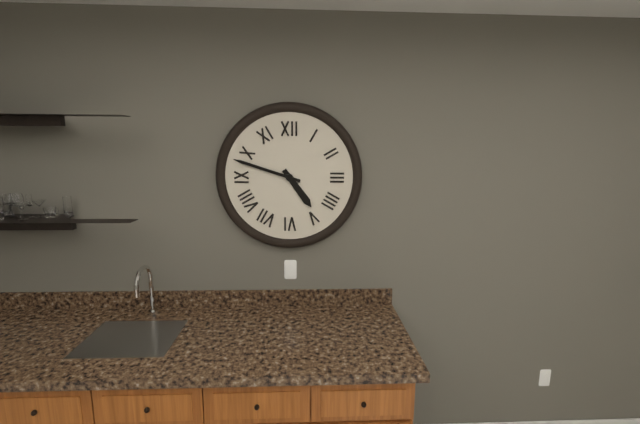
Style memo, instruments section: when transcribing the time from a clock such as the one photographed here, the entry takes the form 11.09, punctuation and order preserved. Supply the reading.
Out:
4.48
